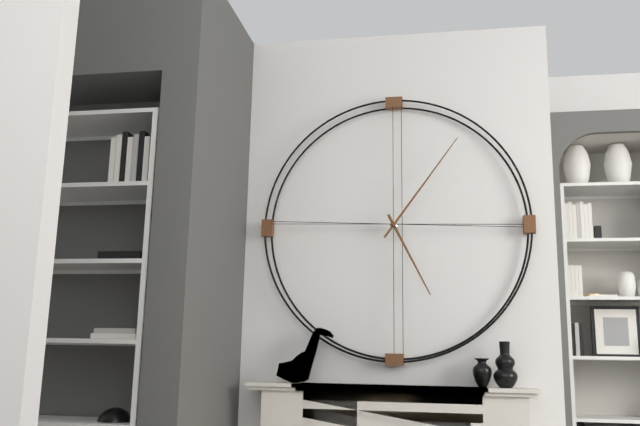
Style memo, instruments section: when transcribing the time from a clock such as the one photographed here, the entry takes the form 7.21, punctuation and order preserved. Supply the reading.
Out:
5.06
